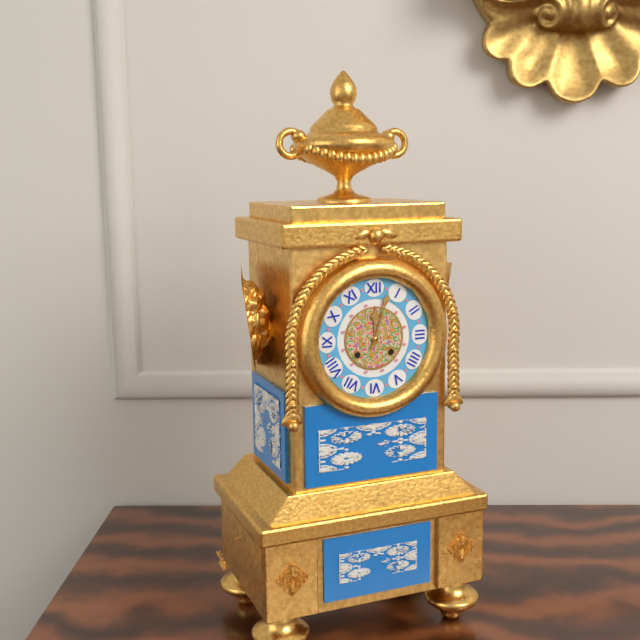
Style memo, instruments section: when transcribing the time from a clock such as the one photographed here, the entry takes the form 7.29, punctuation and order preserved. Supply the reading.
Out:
12.03
